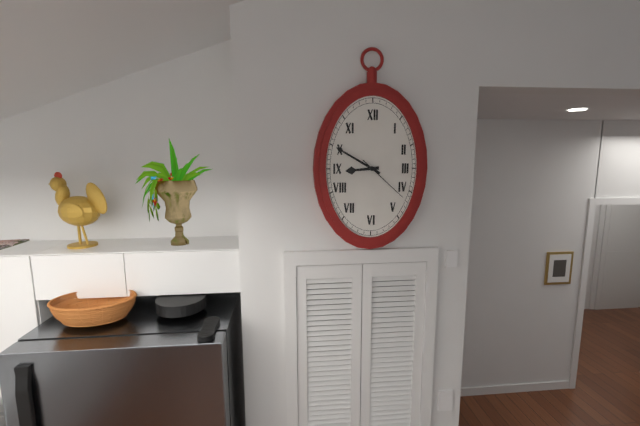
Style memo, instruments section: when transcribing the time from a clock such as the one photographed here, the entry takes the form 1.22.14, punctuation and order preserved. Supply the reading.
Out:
8.50.22
